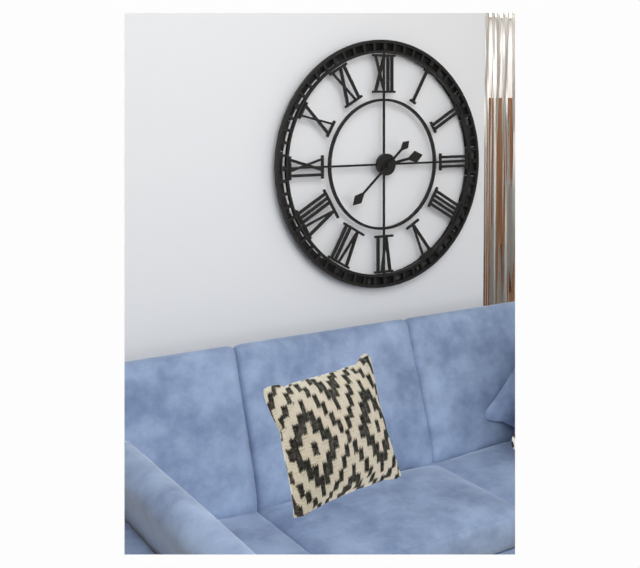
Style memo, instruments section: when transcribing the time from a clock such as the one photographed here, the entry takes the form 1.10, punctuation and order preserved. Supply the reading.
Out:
2.38
